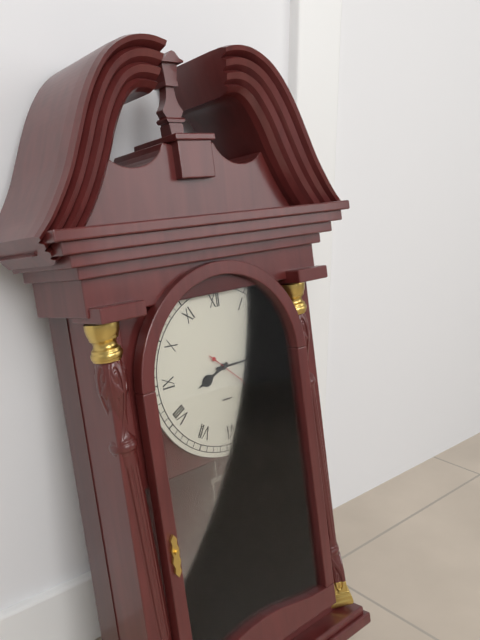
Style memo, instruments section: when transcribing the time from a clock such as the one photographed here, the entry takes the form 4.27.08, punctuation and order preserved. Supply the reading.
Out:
8.15.22
